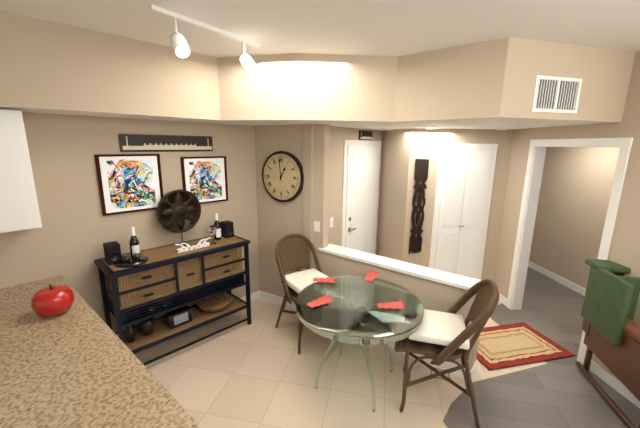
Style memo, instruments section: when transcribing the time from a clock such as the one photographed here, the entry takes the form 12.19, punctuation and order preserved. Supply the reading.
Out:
12.59
